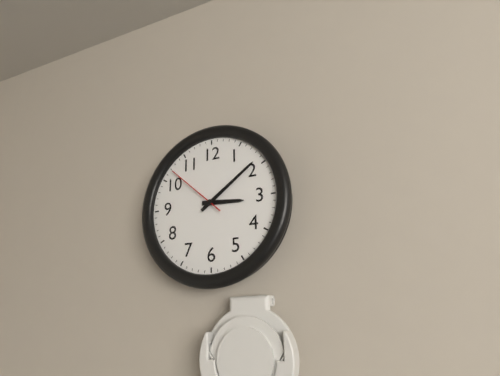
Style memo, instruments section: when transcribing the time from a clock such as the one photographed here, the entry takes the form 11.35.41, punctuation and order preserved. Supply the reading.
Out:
3.09.52
